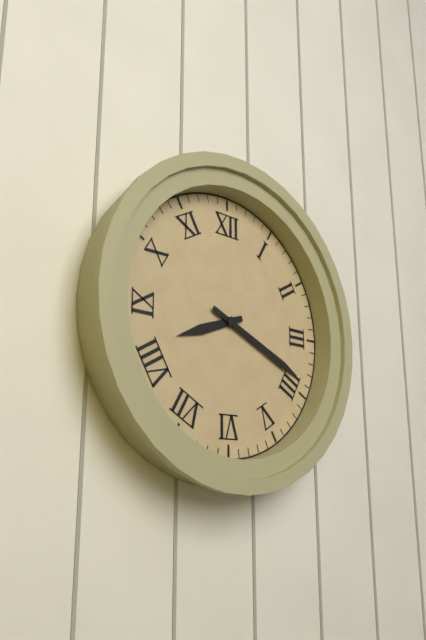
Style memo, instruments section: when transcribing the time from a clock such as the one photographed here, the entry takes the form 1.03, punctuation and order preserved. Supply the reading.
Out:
8.19
